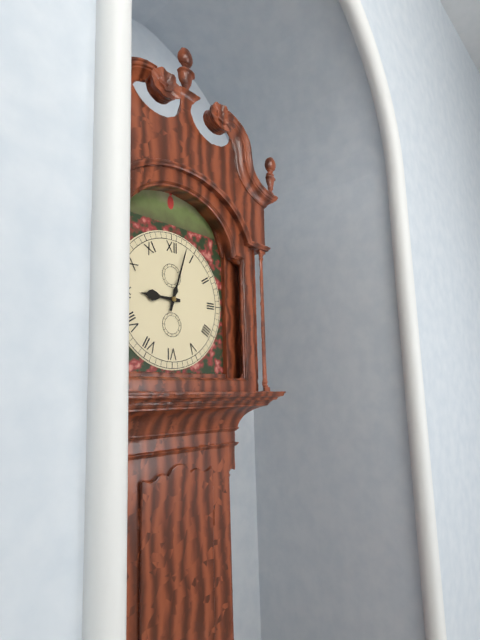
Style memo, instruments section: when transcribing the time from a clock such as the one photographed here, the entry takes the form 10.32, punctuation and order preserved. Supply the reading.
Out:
9.03
